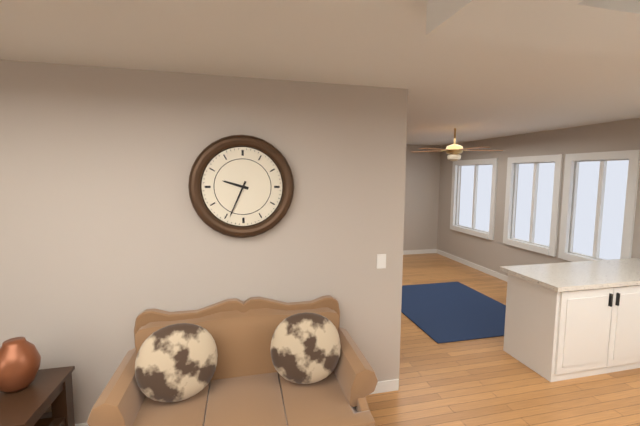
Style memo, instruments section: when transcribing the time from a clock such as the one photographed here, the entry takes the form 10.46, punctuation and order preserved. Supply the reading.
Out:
9.34
